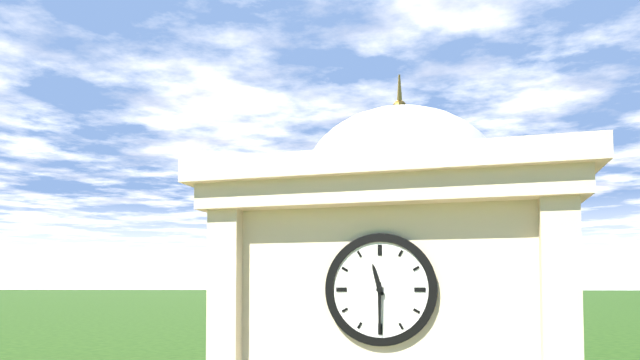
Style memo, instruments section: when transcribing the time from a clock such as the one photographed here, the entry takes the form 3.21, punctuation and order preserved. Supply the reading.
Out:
11.30
